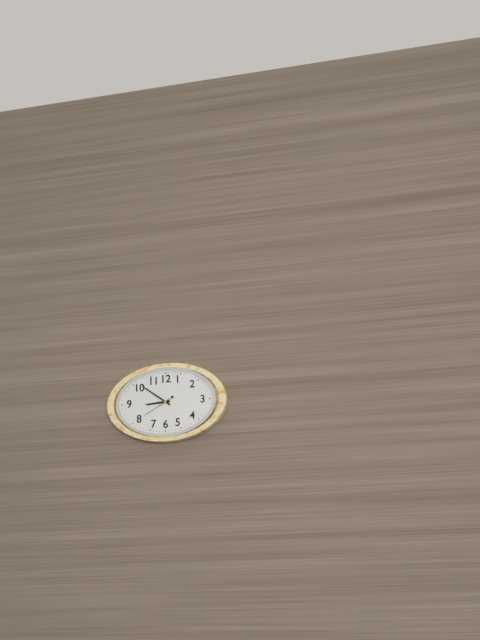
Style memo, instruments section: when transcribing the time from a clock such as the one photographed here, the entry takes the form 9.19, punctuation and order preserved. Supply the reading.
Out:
8.51
